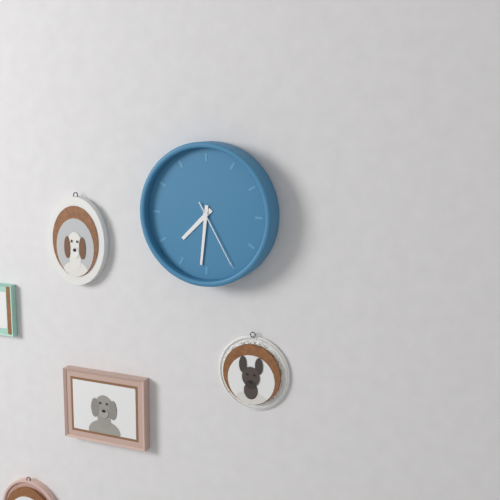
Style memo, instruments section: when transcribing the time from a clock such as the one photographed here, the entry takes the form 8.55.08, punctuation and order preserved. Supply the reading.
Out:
7.31.25
